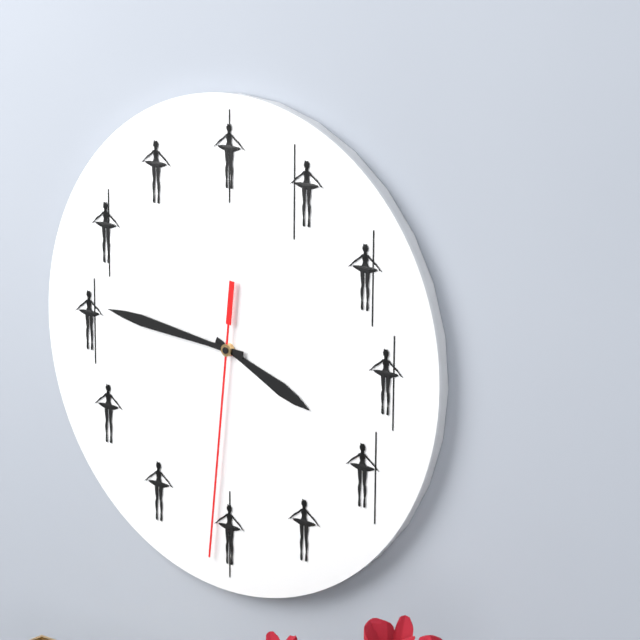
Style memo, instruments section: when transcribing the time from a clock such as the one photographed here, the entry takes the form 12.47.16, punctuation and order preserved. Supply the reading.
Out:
3.46.31
